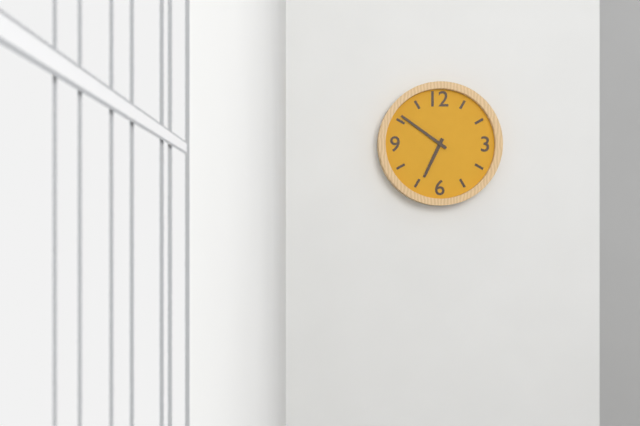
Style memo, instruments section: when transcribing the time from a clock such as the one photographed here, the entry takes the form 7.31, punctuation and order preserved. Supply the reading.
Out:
6.51
